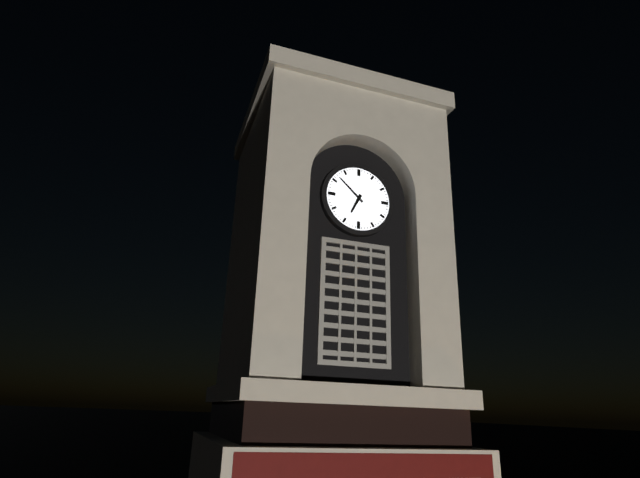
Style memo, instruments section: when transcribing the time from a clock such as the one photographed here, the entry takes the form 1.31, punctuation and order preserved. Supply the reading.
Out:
6.52
